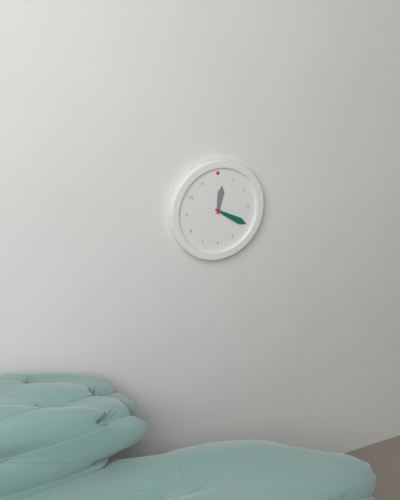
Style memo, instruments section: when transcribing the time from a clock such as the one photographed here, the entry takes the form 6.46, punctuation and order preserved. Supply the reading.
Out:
12.20
